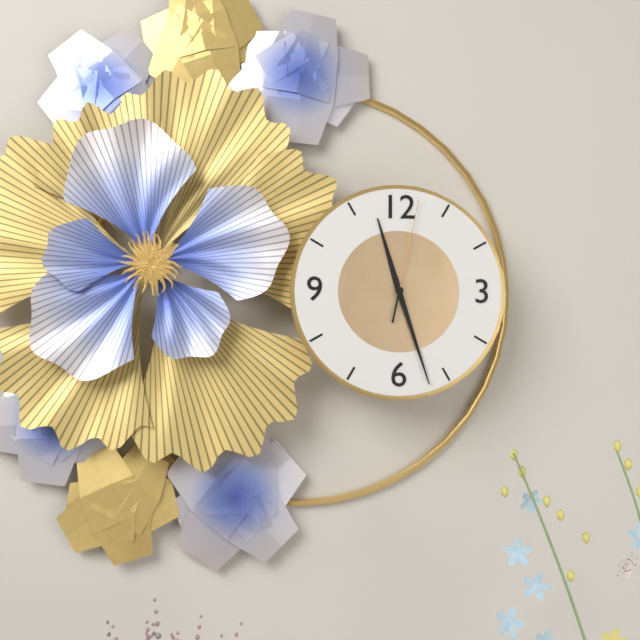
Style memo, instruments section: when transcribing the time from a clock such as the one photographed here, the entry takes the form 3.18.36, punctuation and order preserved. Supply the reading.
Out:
11.27.02
